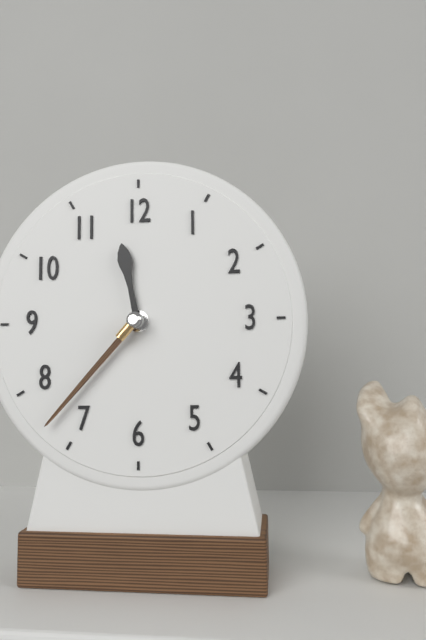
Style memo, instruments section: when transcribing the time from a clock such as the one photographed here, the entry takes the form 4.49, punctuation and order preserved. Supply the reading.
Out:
11.37
